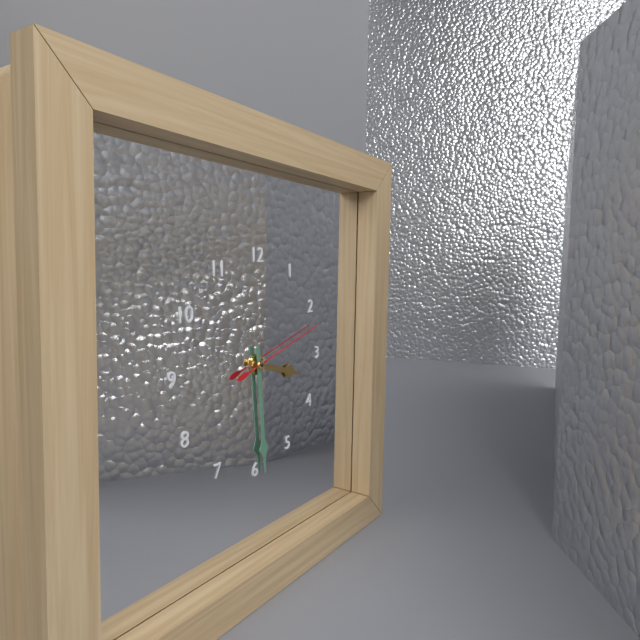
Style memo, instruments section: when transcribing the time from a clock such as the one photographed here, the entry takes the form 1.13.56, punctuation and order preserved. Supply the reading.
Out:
3.29.12
